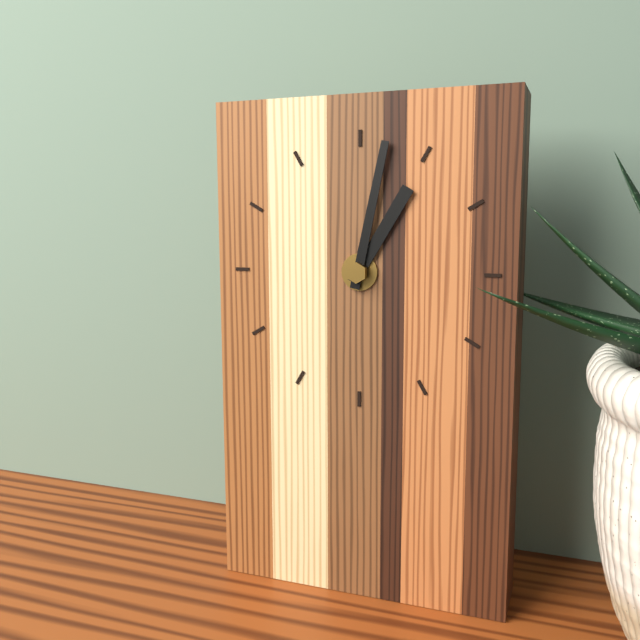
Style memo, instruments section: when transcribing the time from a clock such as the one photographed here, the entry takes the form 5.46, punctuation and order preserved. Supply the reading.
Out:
1.02
